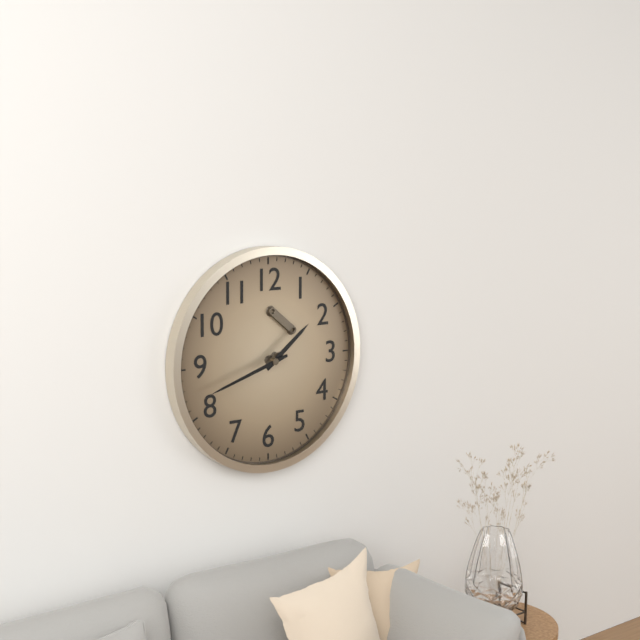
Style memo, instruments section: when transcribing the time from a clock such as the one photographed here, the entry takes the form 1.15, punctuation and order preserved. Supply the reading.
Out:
1.42
